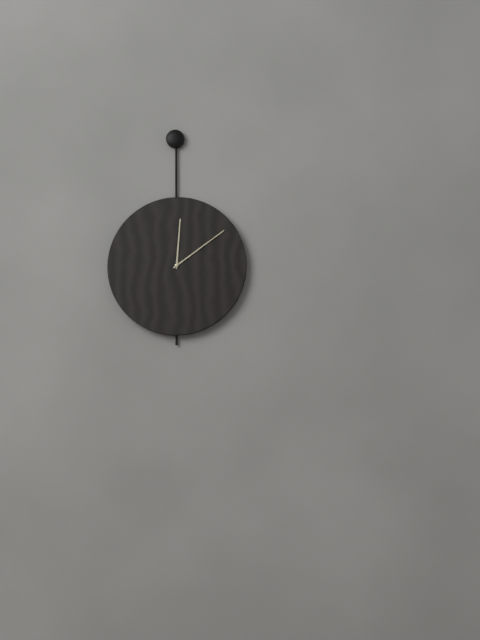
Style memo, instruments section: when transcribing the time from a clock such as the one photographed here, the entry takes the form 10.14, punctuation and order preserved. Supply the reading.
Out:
12.09
